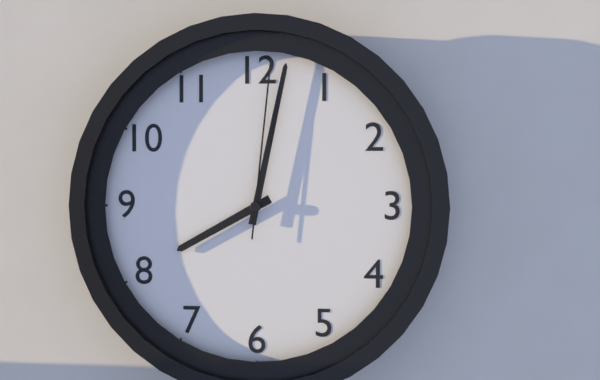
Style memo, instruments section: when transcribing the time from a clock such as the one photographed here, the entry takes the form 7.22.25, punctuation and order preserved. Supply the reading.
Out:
8.02.01
